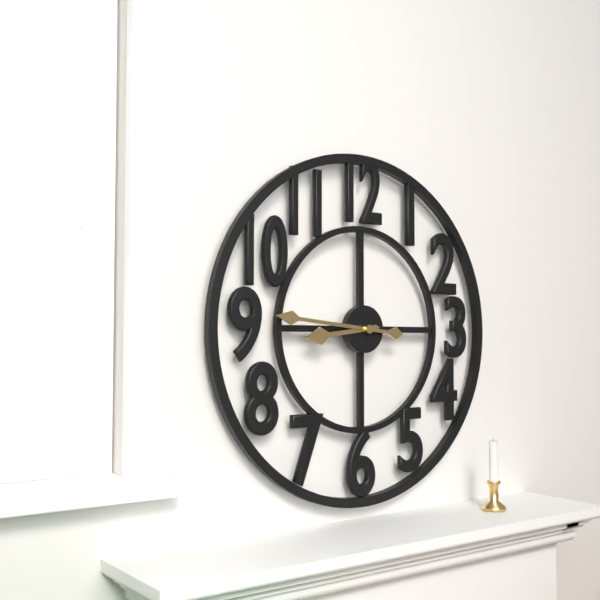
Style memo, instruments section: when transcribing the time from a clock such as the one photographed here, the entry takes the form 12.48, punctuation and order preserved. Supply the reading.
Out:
8.46
